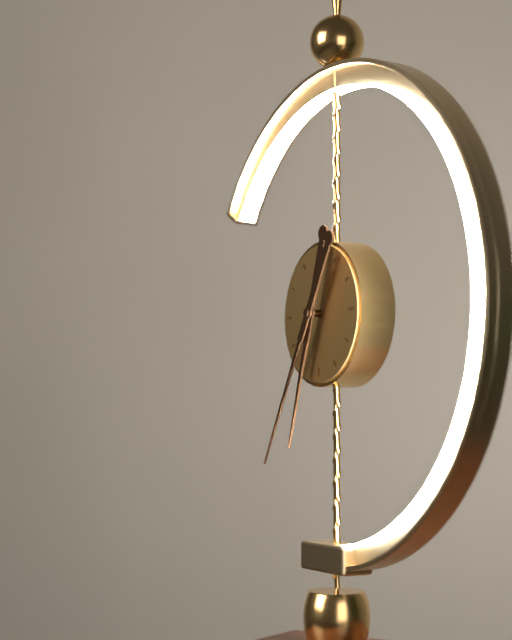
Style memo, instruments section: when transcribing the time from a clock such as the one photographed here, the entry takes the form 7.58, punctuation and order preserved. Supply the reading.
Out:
6.35
